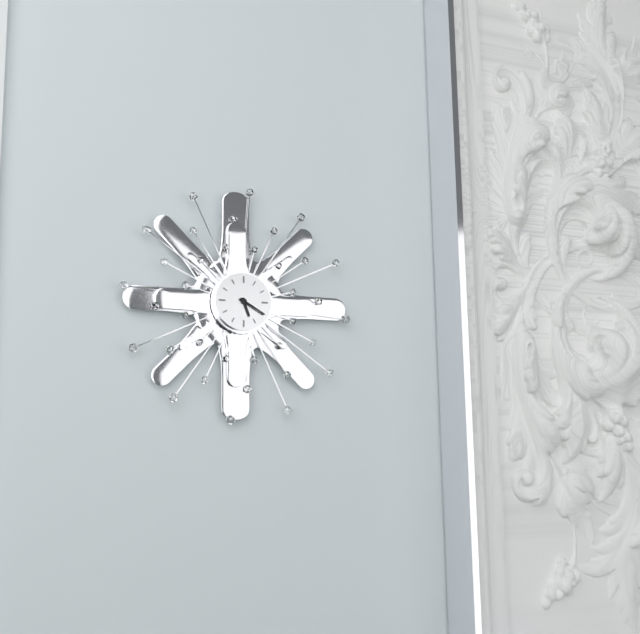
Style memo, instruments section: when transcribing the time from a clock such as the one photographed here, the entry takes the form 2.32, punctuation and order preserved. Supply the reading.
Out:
5.20
